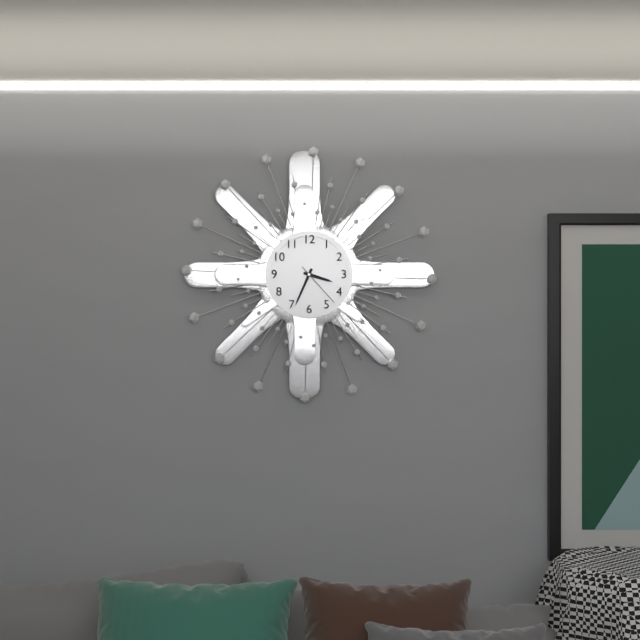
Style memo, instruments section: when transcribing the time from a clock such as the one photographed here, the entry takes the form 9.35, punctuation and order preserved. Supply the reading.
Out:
3.34
